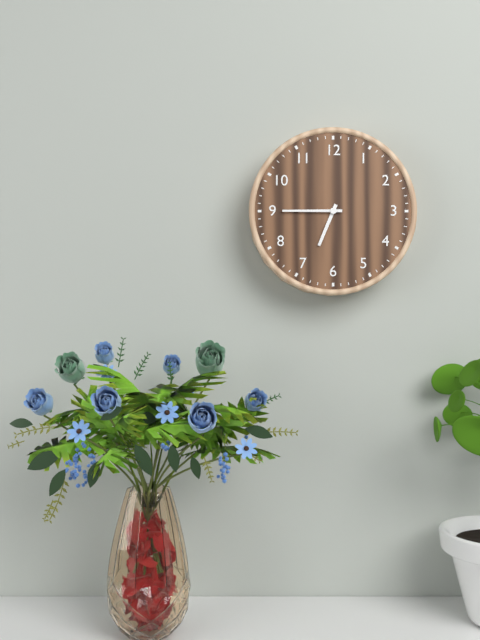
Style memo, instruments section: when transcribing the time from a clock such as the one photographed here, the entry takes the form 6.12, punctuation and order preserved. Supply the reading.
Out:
6.45
